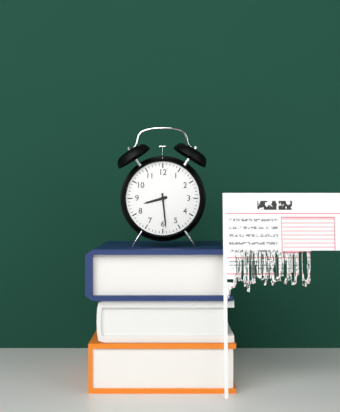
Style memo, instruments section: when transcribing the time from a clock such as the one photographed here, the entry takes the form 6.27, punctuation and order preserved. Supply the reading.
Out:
8.29
